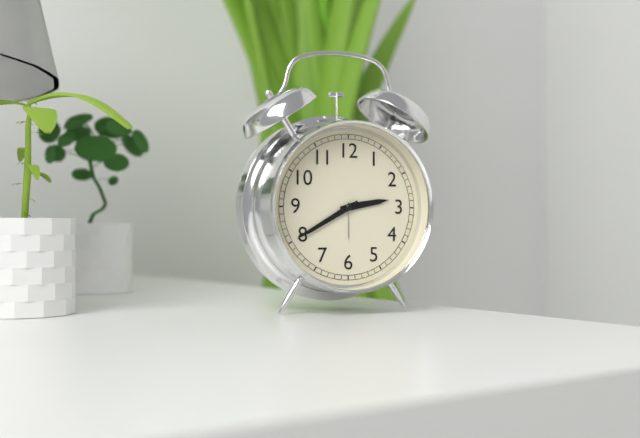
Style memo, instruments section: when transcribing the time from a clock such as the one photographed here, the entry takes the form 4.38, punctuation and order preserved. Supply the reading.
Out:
2.40
